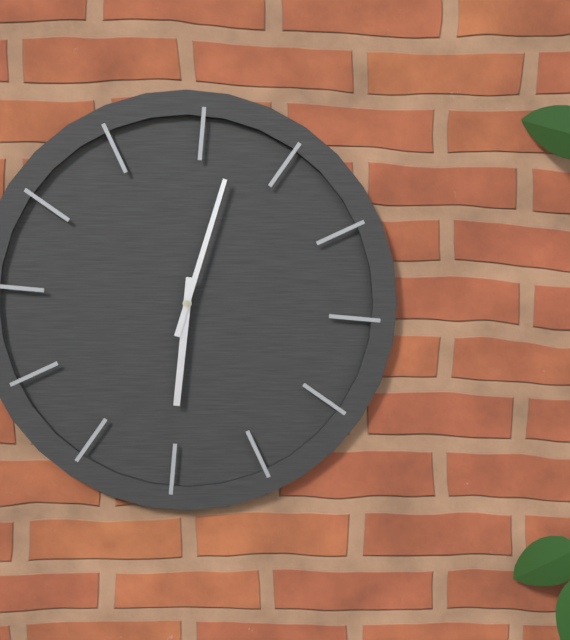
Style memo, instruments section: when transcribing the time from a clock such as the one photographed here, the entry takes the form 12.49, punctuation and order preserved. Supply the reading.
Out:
6.02
